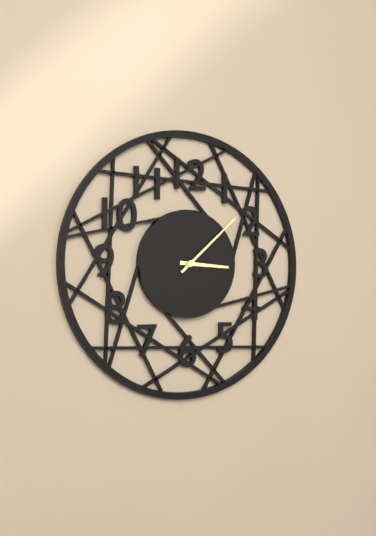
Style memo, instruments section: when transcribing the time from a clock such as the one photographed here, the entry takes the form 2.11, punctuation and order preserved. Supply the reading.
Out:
3.08
